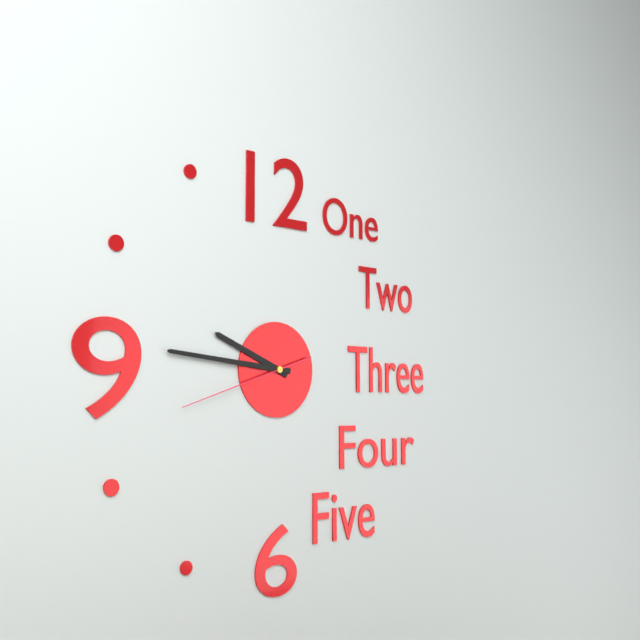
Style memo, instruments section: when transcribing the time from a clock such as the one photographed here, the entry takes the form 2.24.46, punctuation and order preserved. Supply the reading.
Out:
9.46.42
